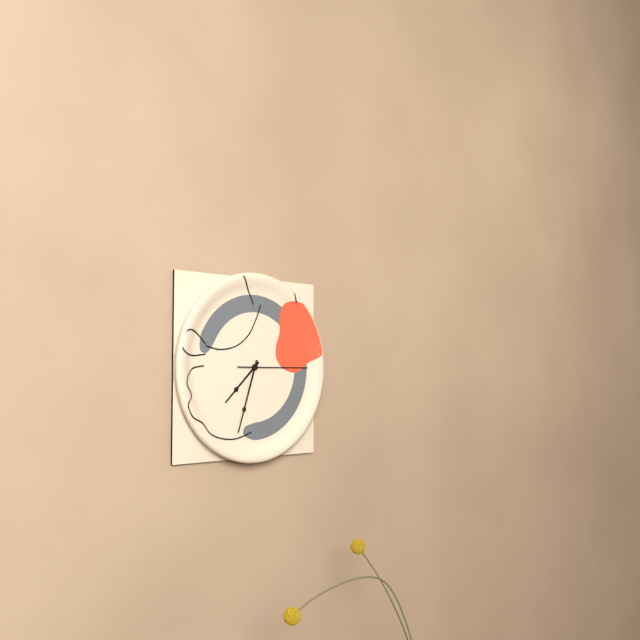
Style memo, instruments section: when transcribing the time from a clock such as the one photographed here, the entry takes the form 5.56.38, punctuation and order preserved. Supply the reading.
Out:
7.33.15
